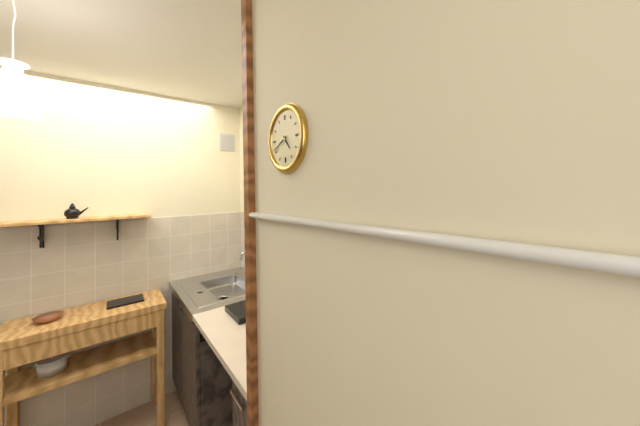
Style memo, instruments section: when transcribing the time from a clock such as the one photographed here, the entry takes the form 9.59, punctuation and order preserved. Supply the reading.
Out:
4.41
